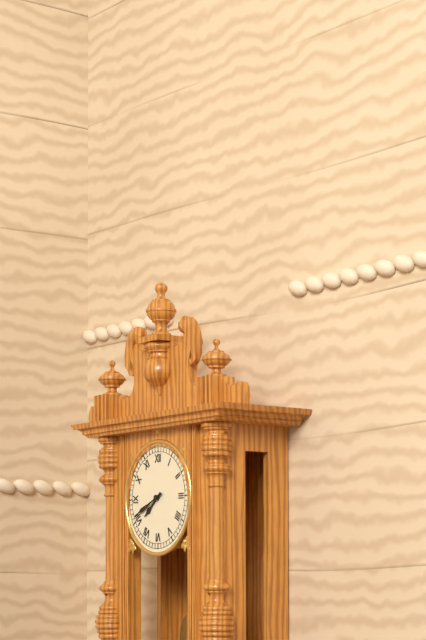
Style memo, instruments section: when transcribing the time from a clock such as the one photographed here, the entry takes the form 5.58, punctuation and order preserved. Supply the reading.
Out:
7.41
